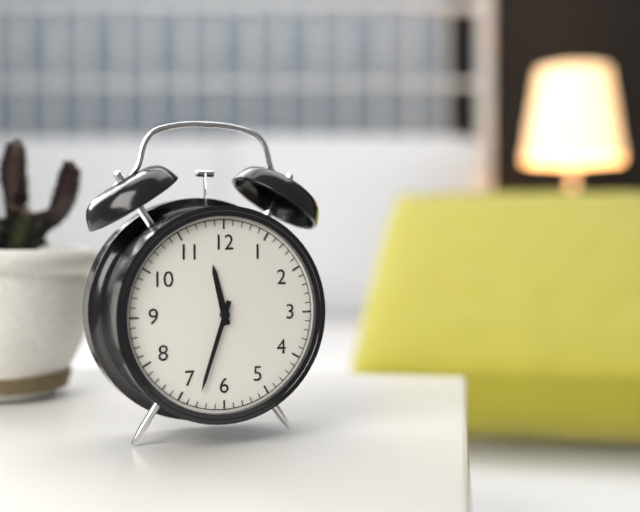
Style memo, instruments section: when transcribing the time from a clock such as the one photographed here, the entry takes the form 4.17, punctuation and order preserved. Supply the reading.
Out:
11.33
